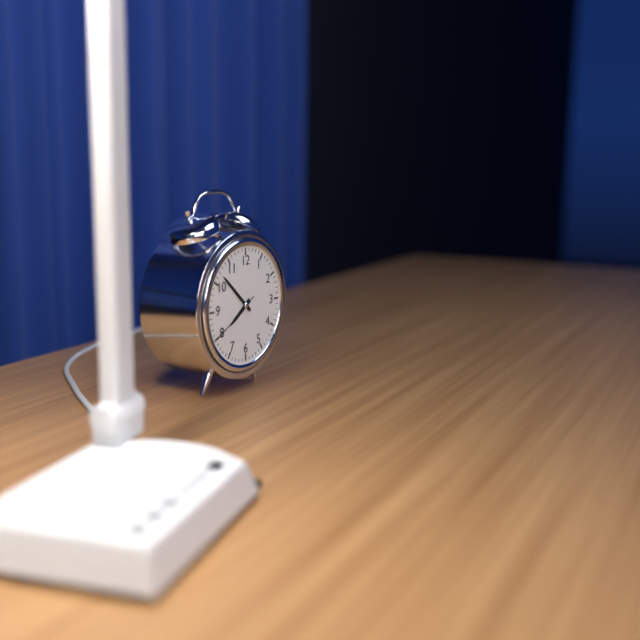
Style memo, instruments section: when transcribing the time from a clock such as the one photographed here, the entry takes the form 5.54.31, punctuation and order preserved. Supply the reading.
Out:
7.52.40
